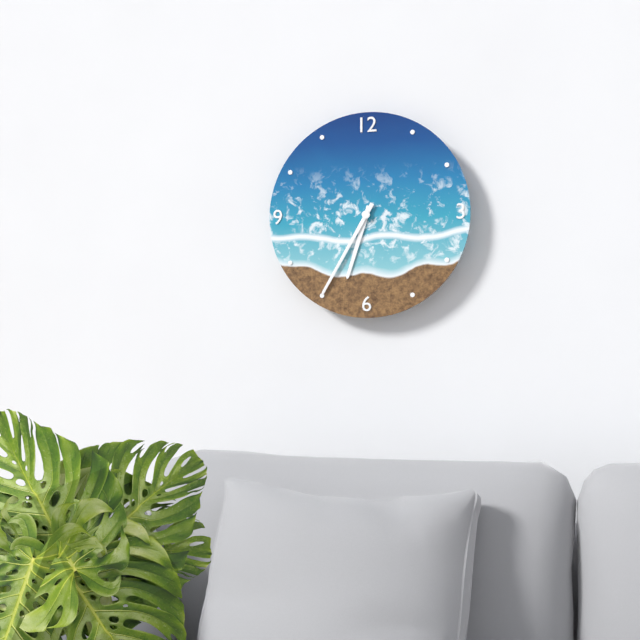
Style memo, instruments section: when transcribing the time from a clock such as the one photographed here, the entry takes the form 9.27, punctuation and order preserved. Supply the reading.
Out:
6.35
